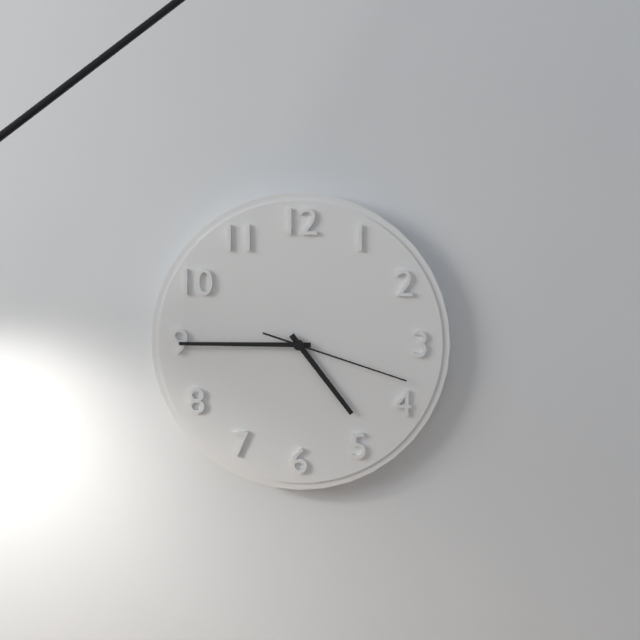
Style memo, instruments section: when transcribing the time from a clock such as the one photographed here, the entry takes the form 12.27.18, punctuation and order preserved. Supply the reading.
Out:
4.45.18
